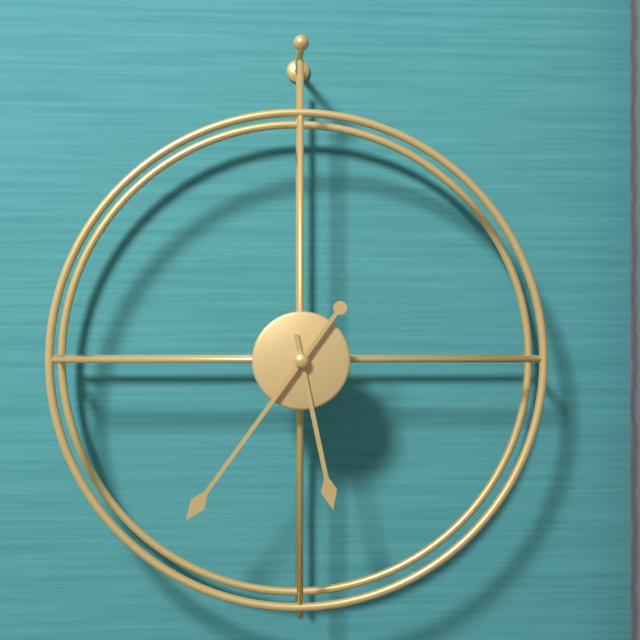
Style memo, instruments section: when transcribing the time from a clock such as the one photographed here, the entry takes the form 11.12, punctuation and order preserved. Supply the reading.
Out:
5.36
